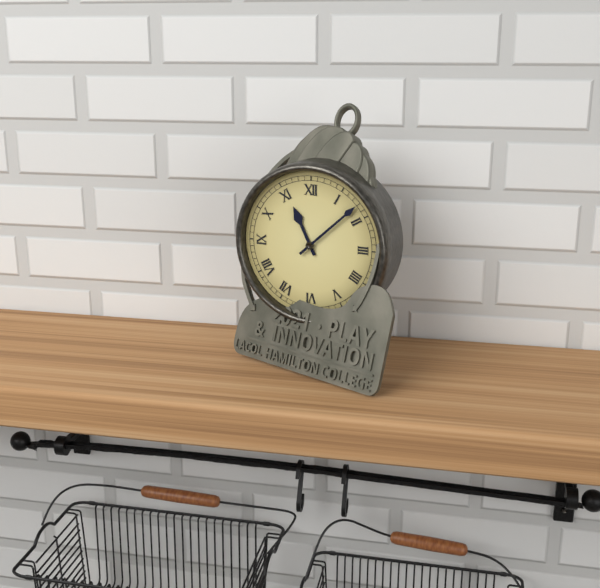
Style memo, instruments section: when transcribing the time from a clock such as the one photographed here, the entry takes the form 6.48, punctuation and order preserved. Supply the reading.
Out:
11.08
